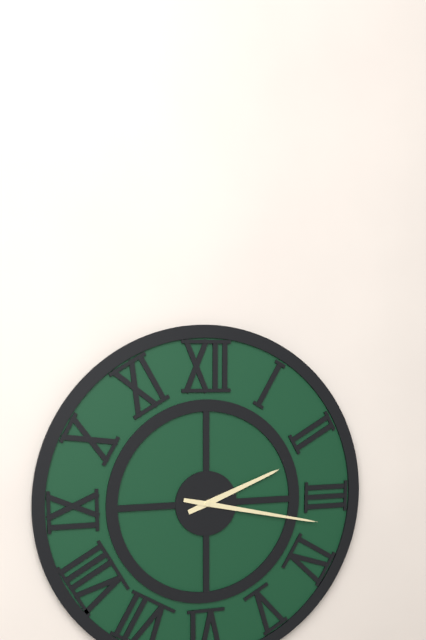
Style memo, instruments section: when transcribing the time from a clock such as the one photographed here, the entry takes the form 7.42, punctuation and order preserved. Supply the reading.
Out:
2.17
